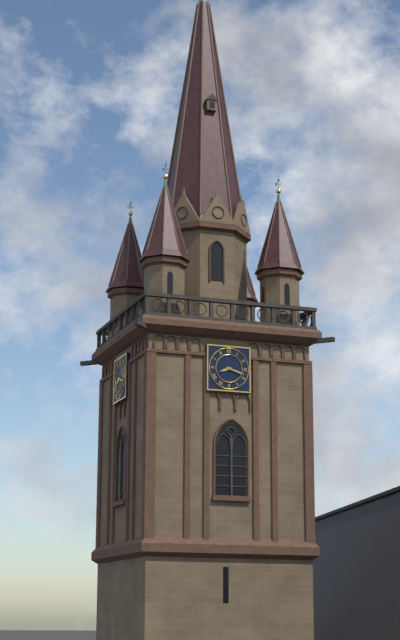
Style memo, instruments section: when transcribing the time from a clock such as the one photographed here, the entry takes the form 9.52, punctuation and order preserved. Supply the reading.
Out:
8.18
